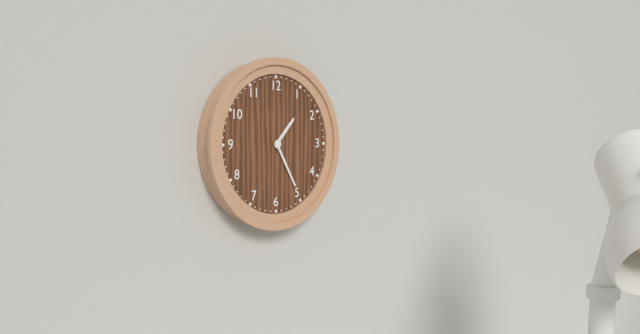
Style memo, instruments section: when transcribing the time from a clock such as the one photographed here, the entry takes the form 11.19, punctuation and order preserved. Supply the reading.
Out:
1.25
